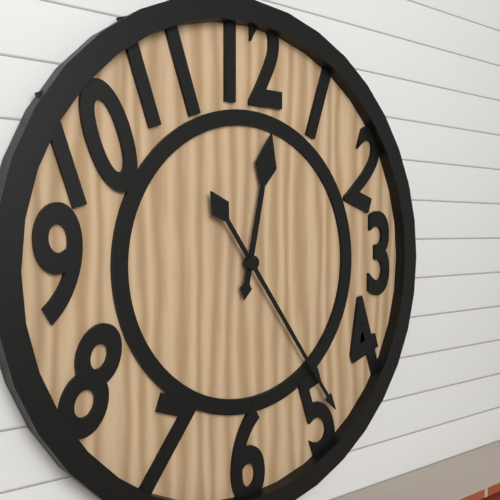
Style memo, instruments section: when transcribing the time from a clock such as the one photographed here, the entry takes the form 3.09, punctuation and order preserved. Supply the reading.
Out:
12.24
